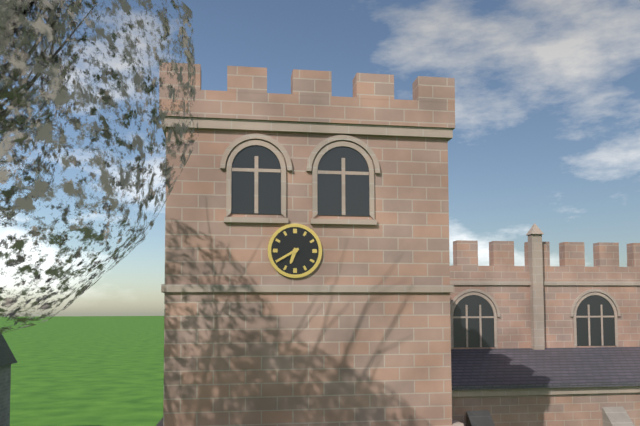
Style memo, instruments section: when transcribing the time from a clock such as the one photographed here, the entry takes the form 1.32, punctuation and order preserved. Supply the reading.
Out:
6.40
